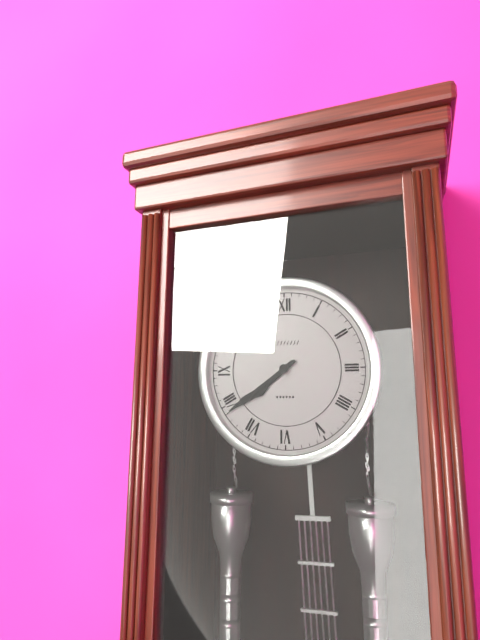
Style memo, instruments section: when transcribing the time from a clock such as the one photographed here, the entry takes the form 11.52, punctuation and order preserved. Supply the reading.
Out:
7.39
